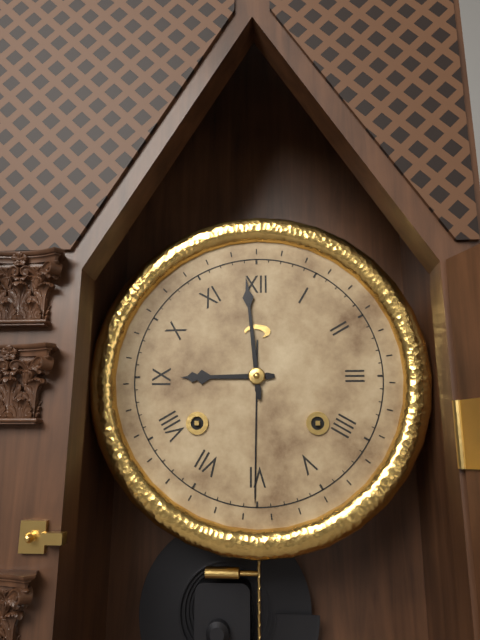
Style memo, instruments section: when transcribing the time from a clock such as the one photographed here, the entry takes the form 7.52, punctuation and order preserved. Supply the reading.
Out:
8.59
